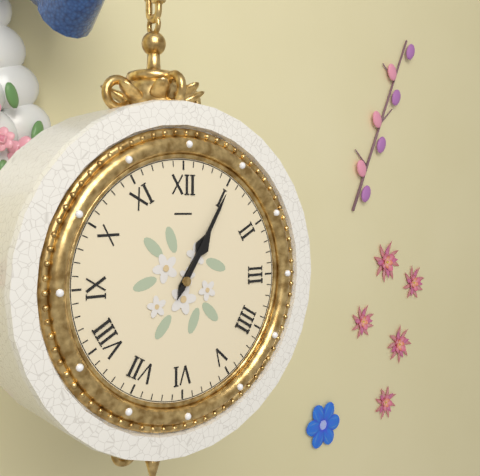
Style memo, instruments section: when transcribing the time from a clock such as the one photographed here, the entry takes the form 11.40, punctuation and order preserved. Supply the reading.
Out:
1.05
